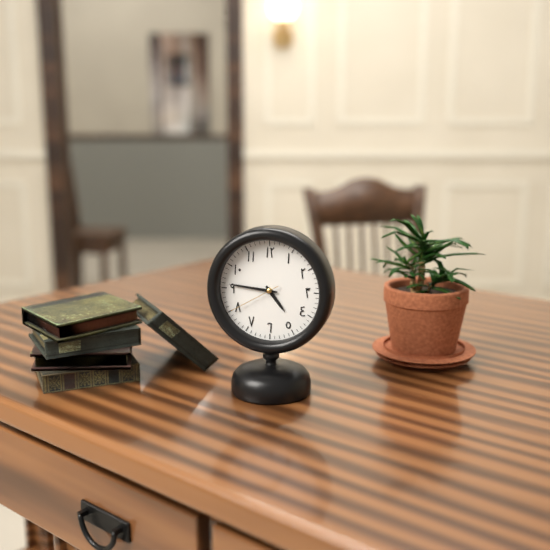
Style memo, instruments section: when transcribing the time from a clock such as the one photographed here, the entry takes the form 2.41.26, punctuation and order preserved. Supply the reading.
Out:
4.46.40
